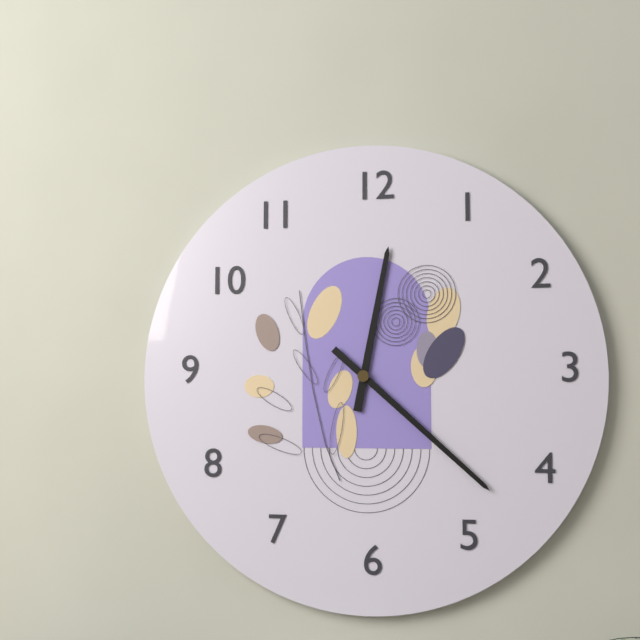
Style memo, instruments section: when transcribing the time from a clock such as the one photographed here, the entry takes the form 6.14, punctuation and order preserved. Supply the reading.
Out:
12.22
